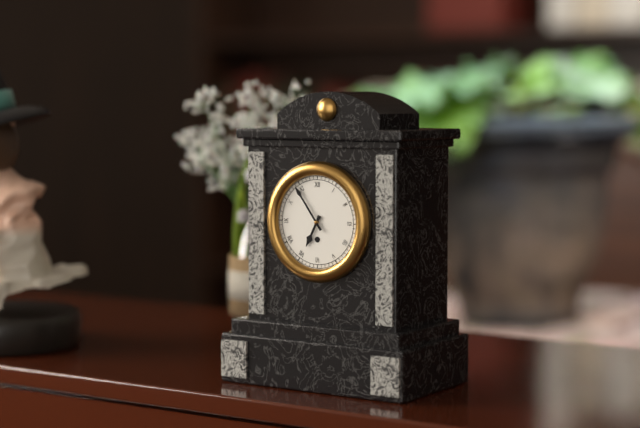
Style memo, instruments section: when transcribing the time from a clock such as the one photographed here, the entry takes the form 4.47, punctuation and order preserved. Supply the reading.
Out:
6.54
